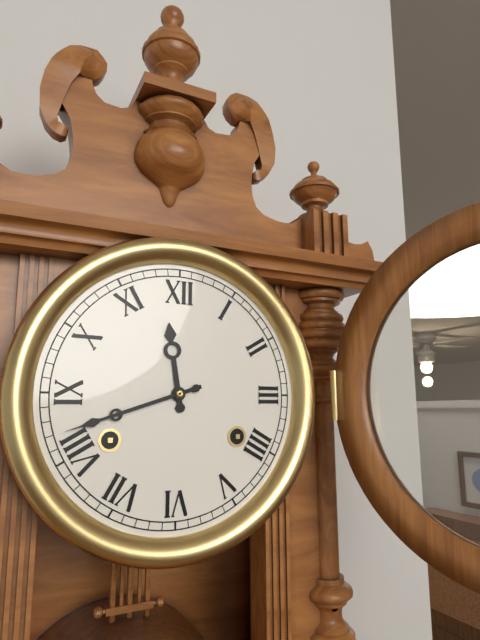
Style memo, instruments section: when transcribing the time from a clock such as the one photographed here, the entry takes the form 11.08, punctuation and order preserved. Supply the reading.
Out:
11.42
